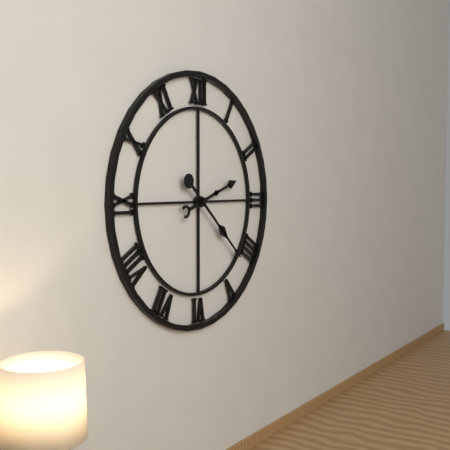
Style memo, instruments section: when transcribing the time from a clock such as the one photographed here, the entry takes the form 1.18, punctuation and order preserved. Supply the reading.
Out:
2.22
